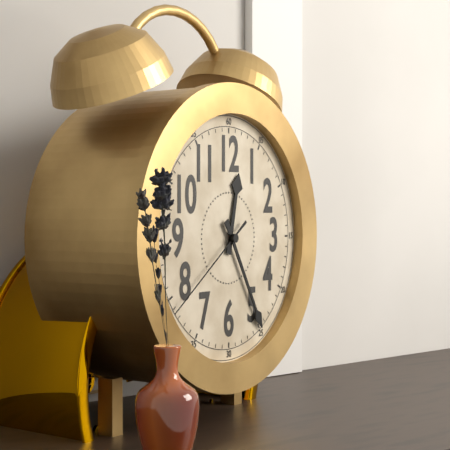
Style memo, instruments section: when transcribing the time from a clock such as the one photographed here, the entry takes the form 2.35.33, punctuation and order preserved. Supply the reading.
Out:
12.25.39
